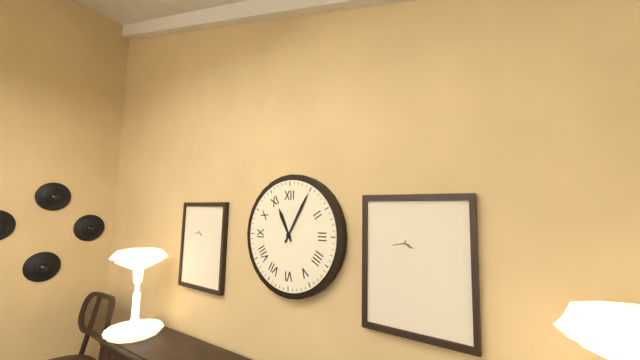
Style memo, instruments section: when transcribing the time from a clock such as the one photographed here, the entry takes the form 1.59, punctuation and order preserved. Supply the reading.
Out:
11.05
